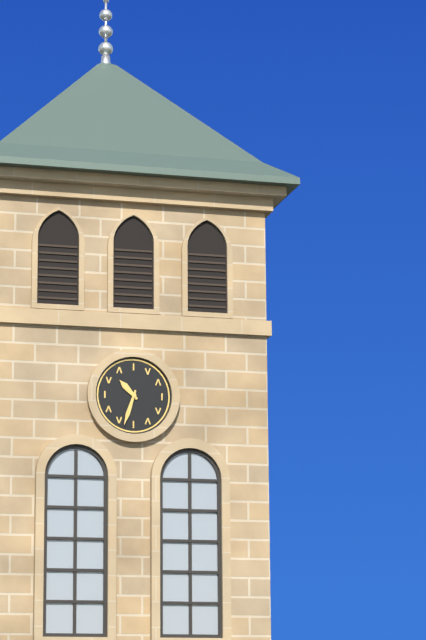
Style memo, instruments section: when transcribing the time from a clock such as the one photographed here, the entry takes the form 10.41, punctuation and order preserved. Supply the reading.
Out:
10.33
